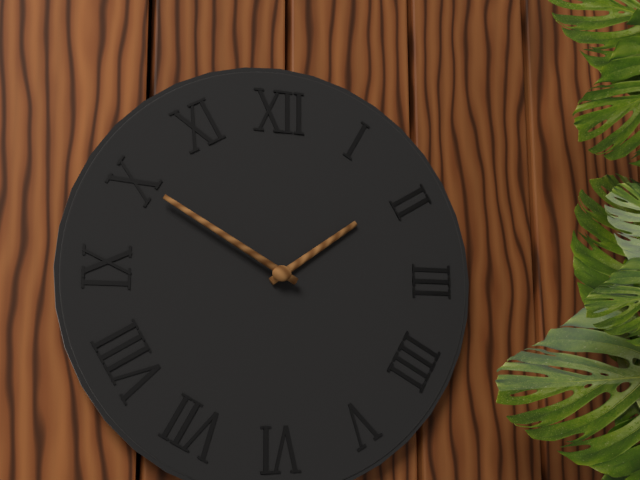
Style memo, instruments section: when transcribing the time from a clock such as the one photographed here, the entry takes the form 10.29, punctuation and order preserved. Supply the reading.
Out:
1.50
